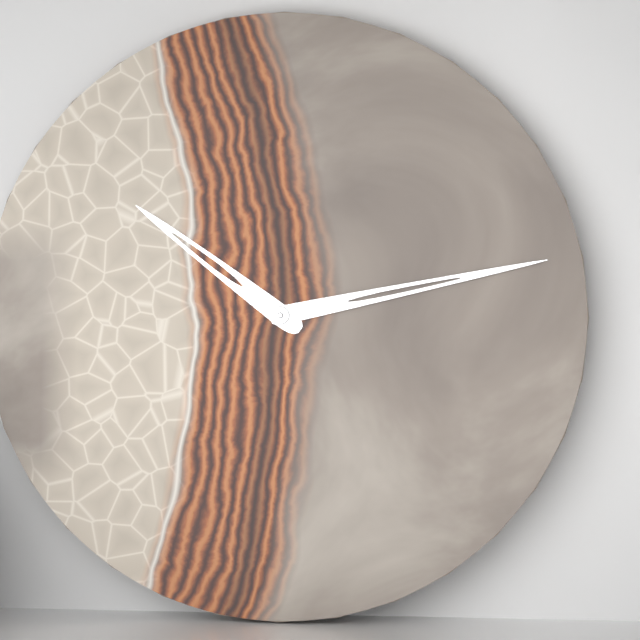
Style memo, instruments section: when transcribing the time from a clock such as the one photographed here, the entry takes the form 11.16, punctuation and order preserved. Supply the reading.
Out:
10.13
